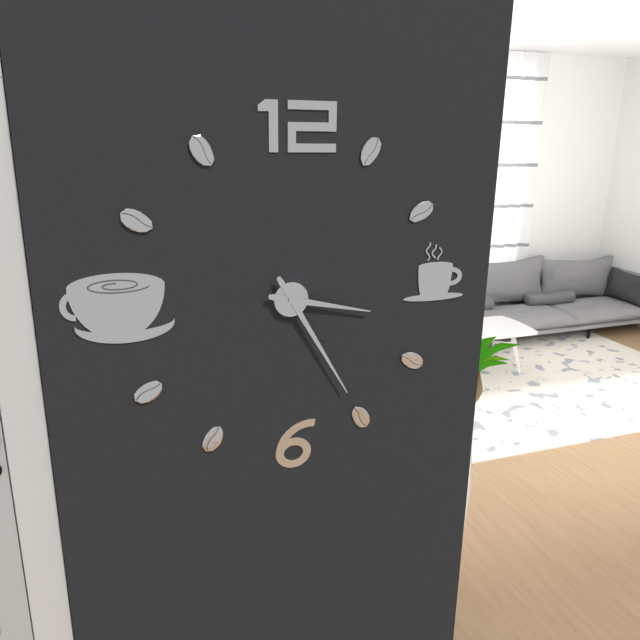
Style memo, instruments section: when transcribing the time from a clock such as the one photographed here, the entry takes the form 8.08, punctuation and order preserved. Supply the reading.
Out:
3.25
